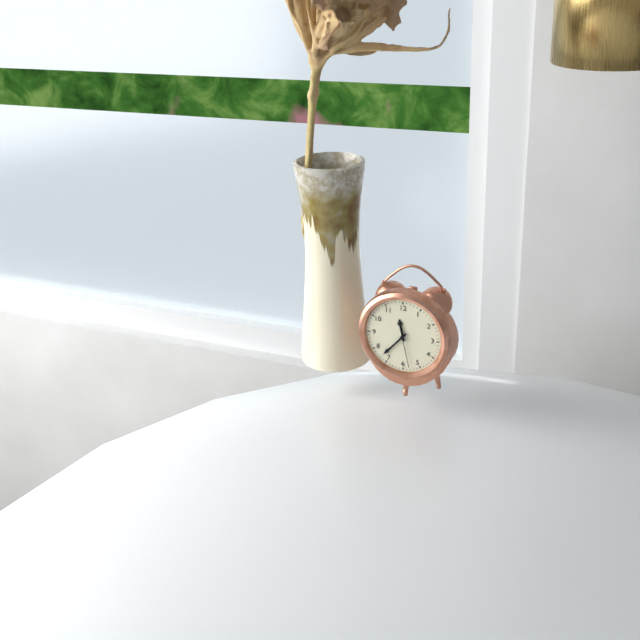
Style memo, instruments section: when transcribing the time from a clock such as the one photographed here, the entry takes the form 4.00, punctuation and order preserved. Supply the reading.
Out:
11.37
